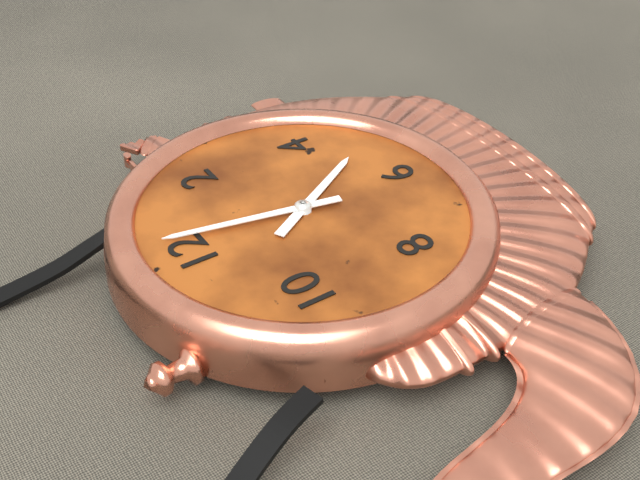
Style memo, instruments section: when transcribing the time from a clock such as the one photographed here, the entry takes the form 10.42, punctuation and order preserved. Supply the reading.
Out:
5.02
